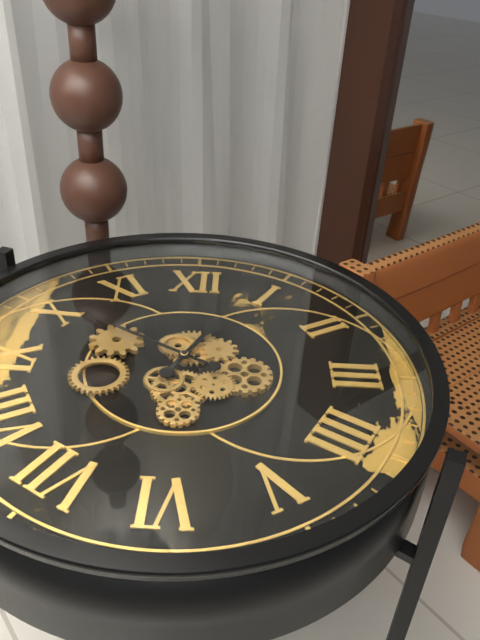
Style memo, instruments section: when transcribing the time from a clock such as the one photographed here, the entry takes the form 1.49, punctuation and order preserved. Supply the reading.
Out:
12.50
